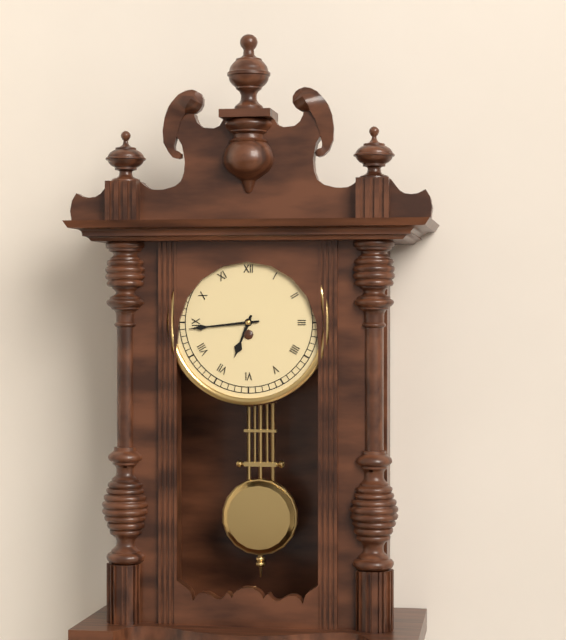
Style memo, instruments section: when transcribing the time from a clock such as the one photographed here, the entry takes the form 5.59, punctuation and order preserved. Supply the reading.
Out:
6.44
